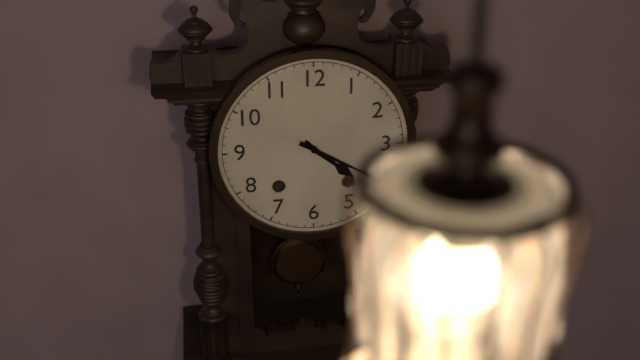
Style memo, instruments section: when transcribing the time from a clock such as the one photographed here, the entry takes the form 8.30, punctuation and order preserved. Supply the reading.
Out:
4.20
